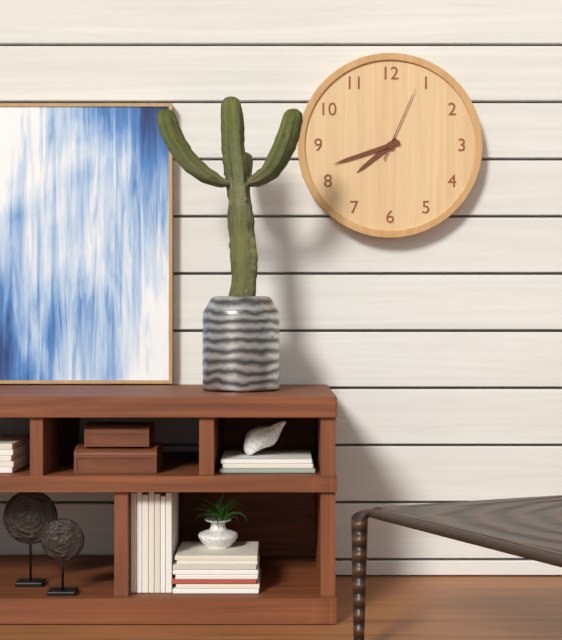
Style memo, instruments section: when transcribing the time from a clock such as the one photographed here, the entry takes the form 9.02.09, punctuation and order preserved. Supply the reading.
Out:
7.42.04
